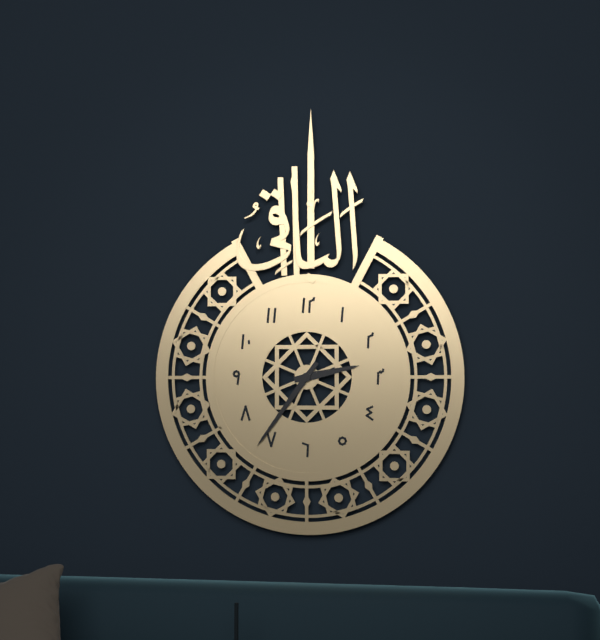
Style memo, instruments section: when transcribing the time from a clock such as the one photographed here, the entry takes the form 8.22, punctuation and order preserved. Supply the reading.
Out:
2.36
